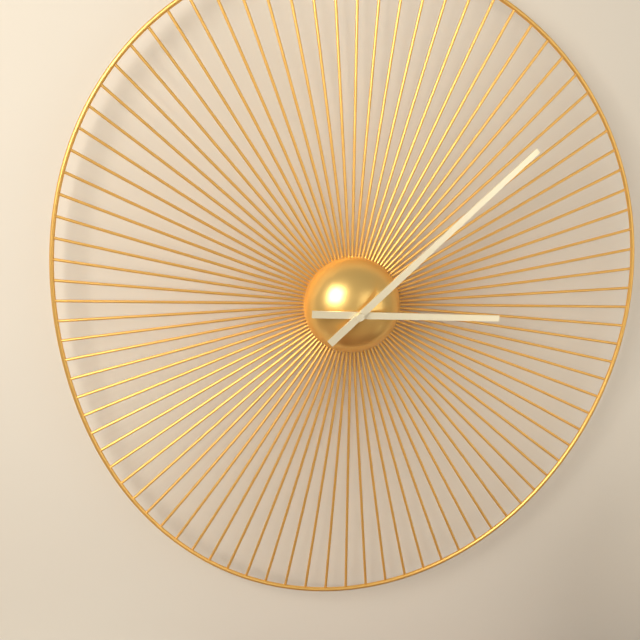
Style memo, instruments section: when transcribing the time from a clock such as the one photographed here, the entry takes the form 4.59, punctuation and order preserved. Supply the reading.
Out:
3.08
